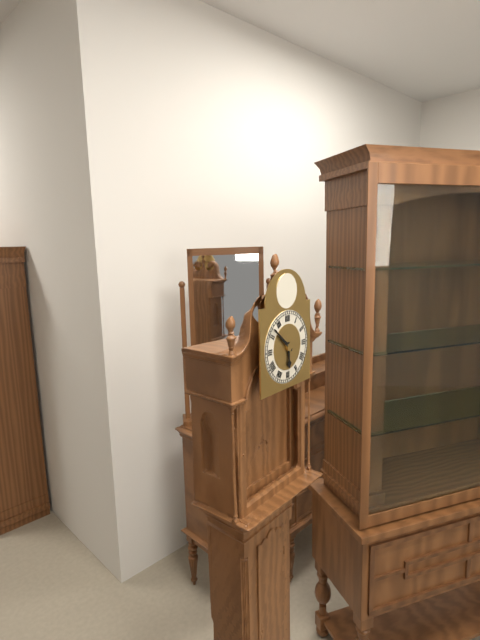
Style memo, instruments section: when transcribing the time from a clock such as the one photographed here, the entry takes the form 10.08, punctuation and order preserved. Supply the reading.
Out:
5.52
